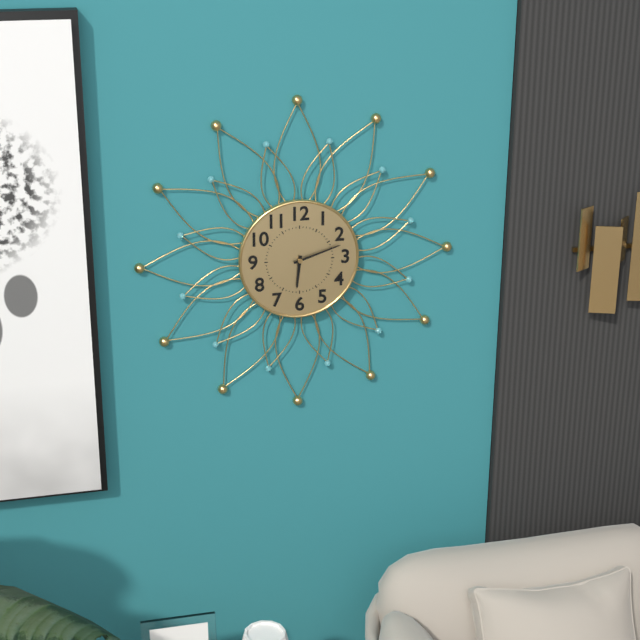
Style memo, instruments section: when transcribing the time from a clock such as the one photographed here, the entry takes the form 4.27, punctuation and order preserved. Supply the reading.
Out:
6.12
